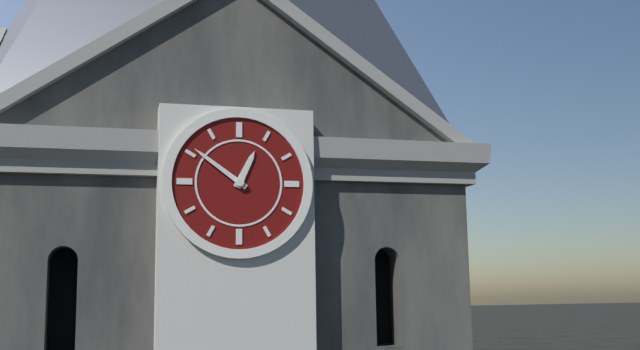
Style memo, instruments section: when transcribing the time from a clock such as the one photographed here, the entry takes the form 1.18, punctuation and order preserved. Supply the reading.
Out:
12.51
